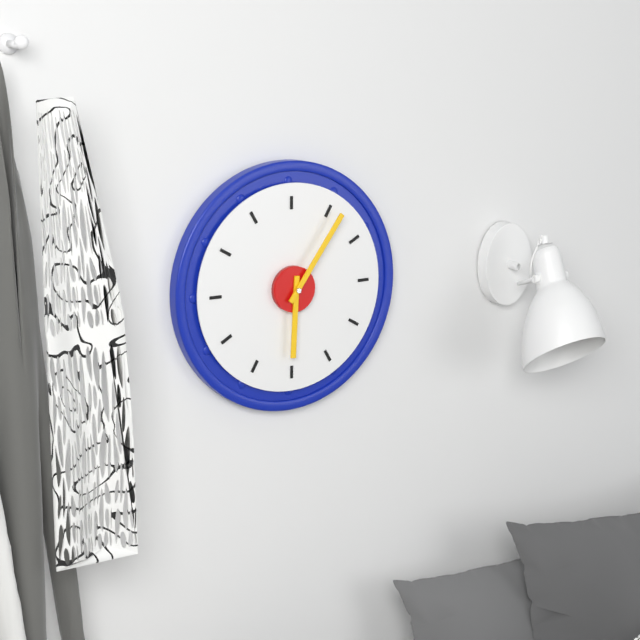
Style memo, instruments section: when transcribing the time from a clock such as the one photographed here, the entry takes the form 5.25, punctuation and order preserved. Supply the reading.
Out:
6.06
